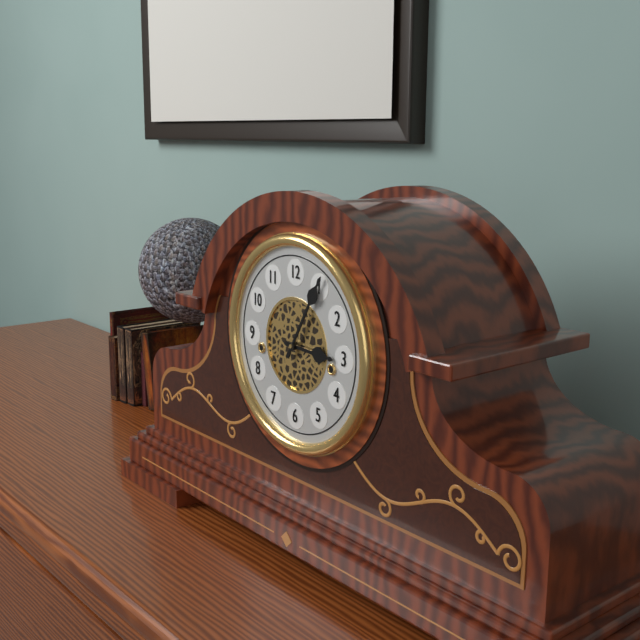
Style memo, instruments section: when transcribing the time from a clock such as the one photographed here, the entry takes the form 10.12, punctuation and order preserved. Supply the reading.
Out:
3.05
